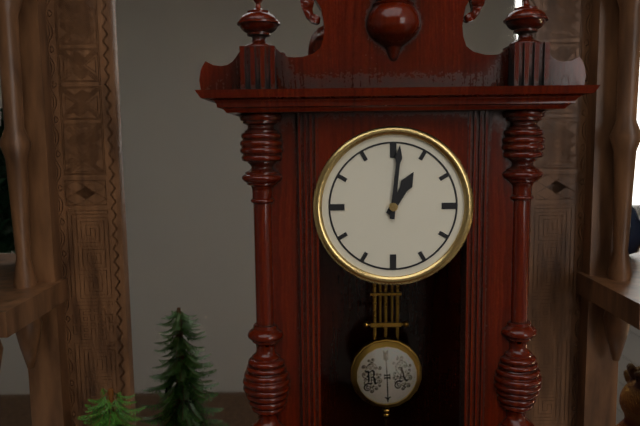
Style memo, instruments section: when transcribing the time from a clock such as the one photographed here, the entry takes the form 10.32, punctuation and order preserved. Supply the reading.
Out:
1.01
